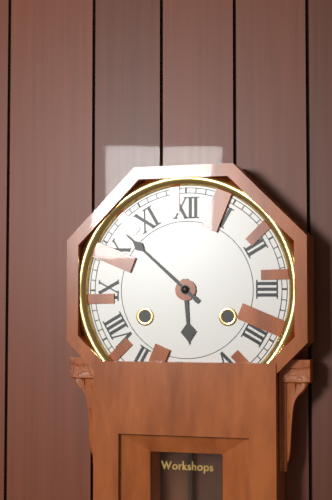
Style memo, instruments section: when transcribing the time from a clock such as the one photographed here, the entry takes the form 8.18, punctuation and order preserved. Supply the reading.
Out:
5.52
